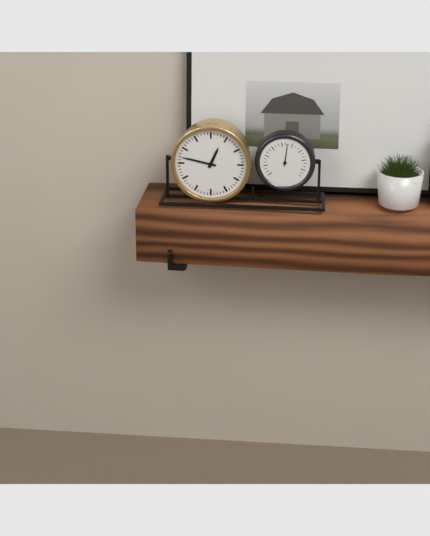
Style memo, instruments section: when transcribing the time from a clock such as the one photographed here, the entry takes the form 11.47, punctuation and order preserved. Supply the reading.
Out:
12.47
